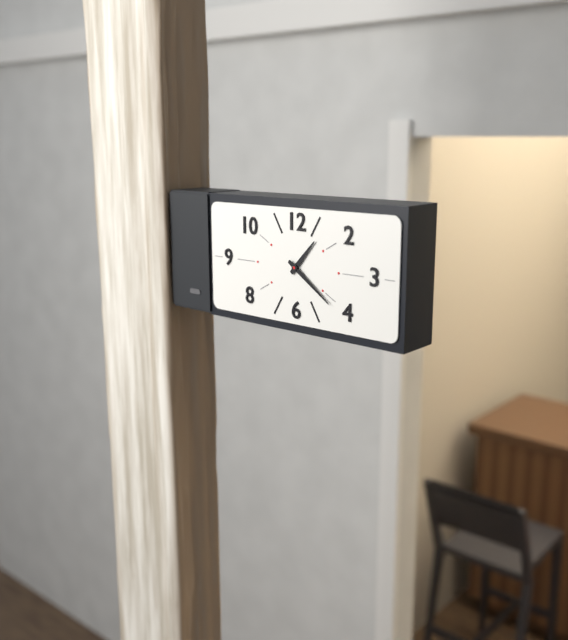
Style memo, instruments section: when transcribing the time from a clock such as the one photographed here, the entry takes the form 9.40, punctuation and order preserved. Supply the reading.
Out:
1.21
